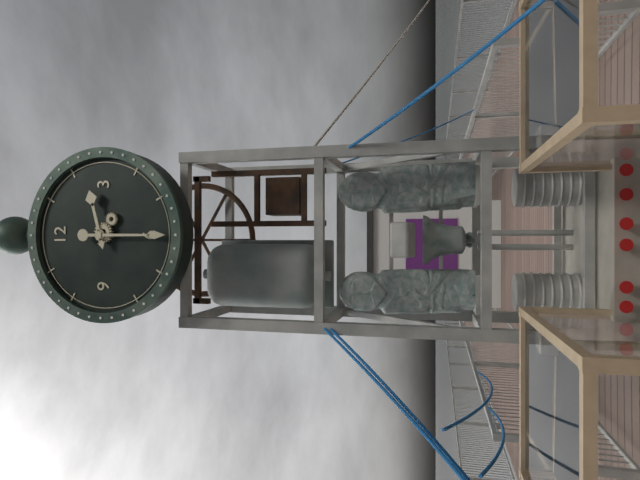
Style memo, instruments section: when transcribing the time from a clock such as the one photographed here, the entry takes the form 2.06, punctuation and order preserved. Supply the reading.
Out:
2.30
